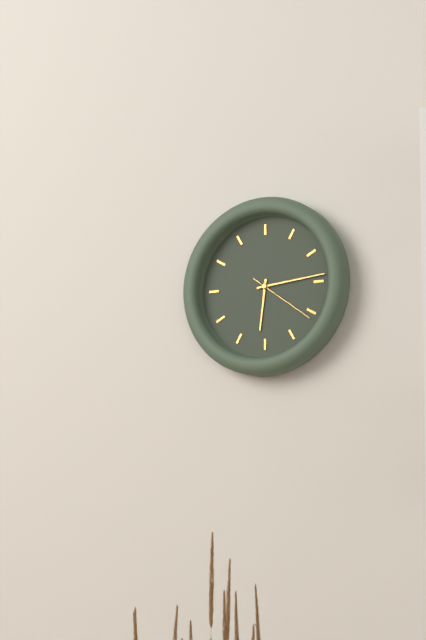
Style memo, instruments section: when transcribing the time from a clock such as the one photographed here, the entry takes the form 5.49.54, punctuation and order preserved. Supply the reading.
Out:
6.14.21
